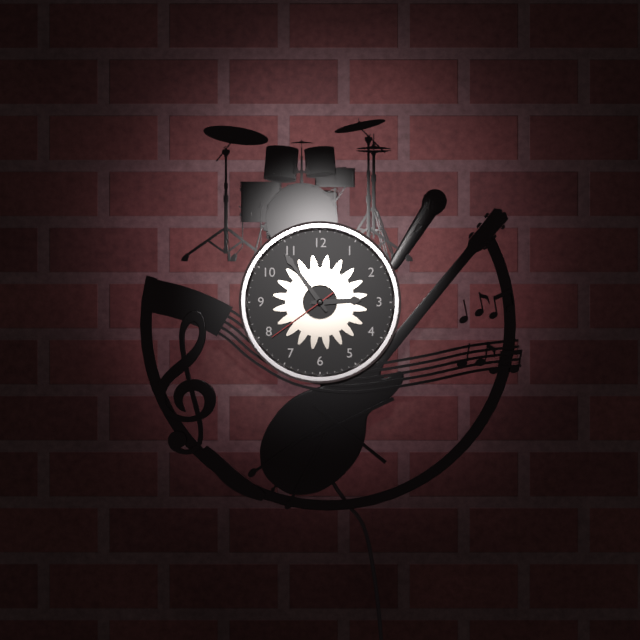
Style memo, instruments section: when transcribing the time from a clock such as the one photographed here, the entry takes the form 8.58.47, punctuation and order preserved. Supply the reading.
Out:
2.54.39
